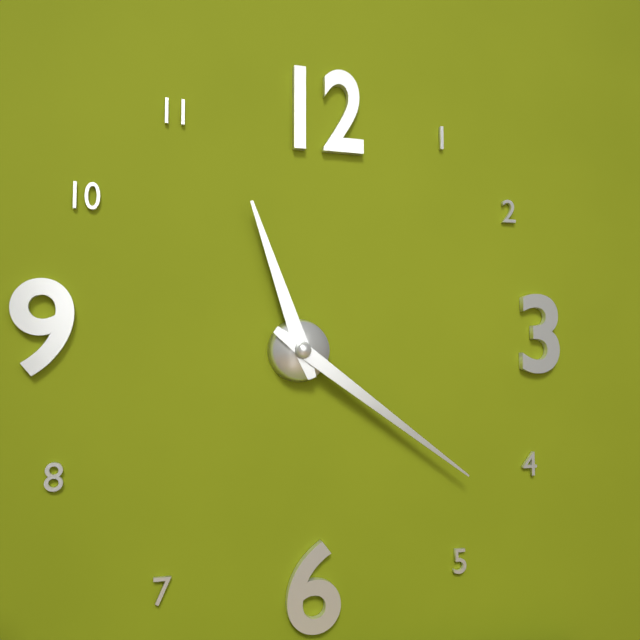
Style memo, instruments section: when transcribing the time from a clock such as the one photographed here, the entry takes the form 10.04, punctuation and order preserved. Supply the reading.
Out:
11.21
